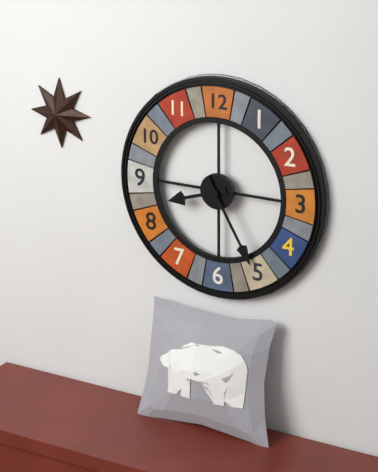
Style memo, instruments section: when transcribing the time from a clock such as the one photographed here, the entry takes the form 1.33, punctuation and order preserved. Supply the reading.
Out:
8.25
